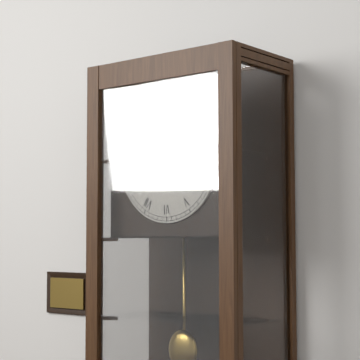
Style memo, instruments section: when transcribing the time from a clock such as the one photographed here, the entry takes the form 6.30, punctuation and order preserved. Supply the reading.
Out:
7.57
